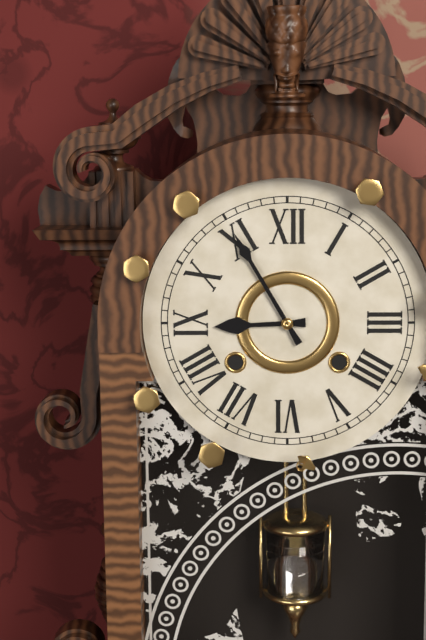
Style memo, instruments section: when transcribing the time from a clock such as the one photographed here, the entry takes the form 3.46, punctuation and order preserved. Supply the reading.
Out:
8.55
